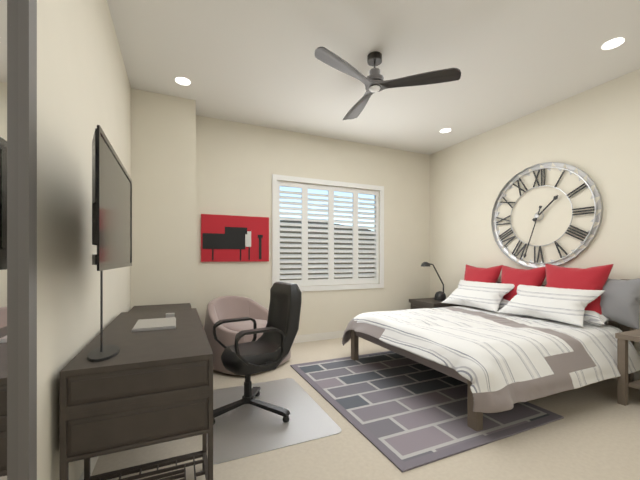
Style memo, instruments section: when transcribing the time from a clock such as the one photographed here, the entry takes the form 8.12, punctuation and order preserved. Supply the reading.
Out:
1.33
